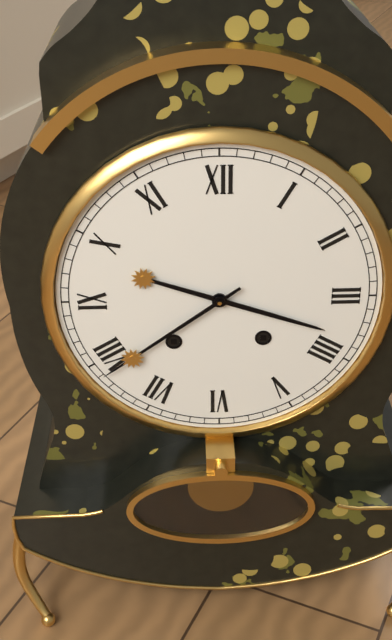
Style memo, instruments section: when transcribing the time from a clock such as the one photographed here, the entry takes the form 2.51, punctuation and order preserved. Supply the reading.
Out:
3.39
